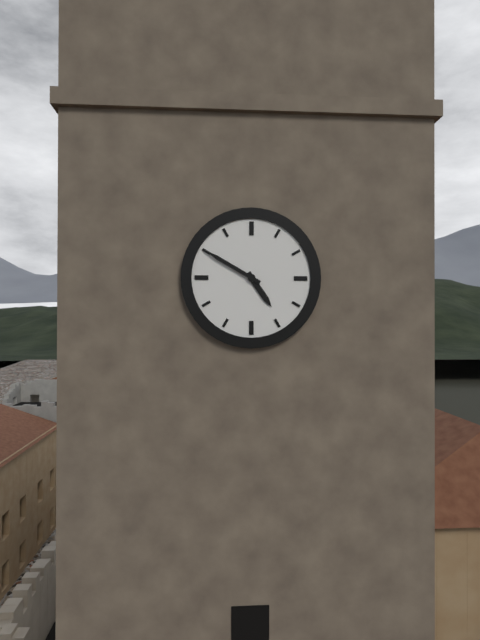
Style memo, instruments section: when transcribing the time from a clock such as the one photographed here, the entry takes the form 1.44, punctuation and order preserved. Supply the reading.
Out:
4.50
